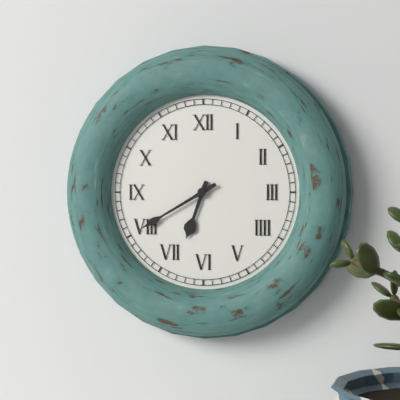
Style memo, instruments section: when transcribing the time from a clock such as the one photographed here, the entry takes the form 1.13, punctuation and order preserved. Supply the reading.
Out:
6.40
